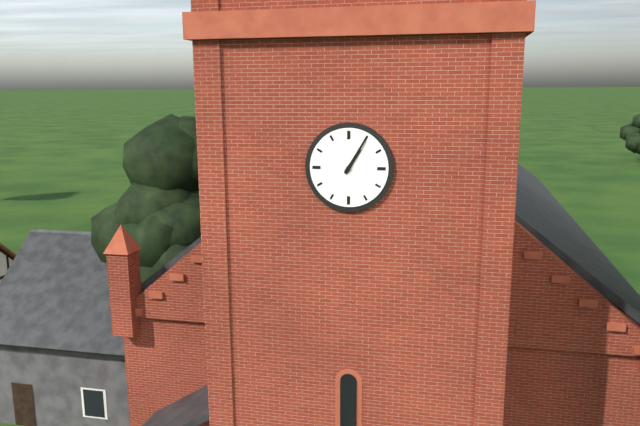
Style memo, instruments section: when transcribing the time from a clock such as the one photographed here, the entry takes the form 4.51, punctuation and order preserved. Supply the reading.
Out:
1.05
